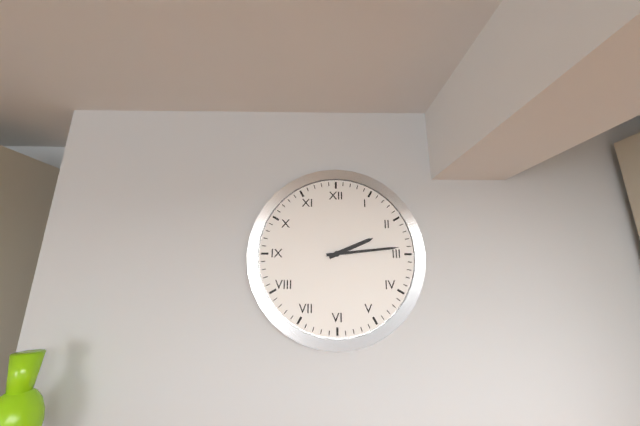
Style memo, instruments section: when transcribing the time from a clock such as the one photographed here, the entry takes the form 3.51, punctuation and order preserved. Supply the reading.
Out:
2.14
